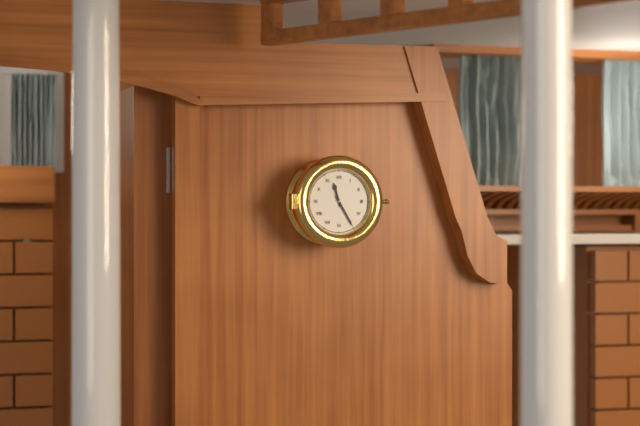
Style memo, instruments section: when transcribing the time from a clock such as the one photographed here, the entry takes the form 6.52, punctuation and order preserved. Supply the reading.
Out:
11.25
